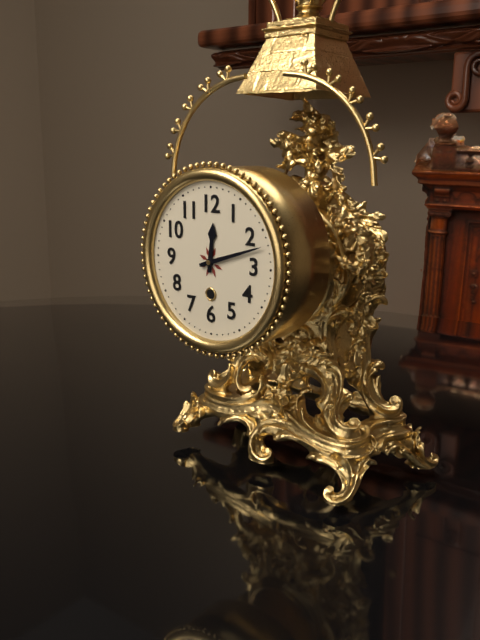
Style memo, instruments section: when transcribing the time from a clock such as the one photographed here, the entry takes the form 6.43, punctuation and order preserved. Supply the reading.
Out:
12.12
